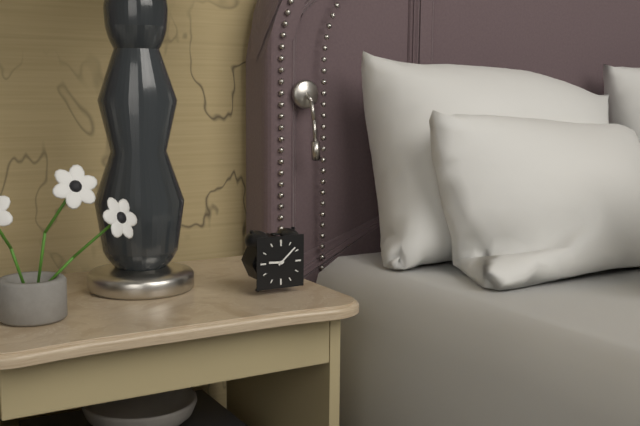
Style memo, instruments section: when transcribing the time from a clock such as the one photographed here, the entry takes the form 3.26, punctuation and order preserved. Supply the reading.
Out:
9.08
